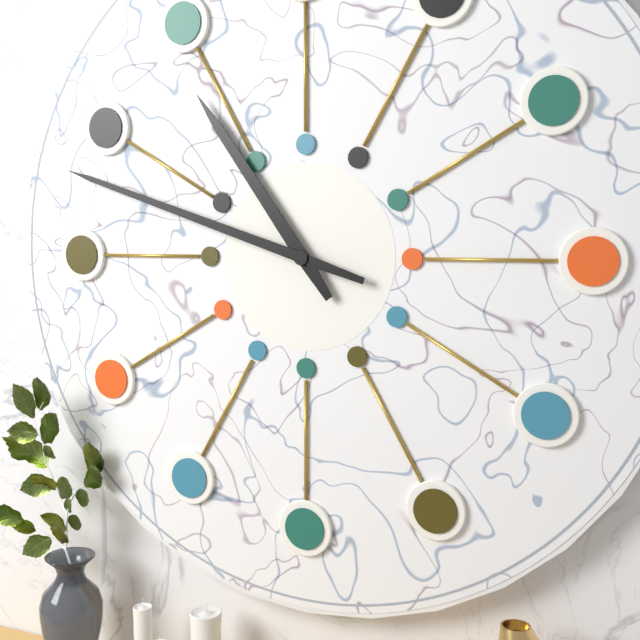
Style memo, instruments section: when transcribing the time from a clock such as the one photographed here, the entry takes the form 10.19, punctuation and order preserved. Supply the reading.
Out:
10.48
